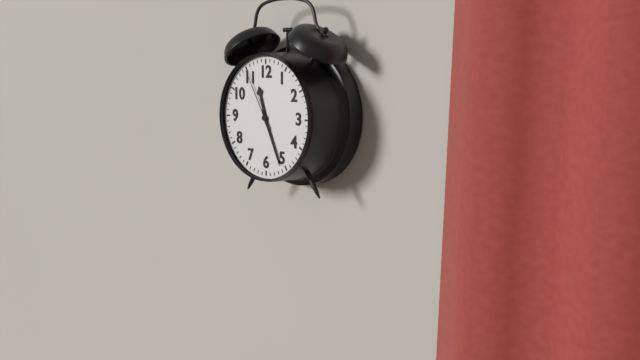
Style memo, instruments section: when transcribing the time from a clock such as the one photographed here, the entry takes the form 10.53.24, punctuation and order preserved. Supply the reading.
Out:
11.26.55
